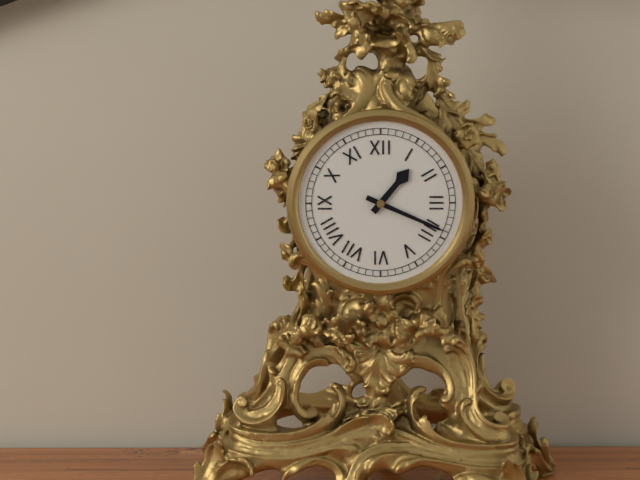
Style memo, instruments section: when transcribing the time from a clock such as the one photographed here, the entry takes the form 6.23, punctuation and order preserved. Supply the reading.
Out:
1.19
